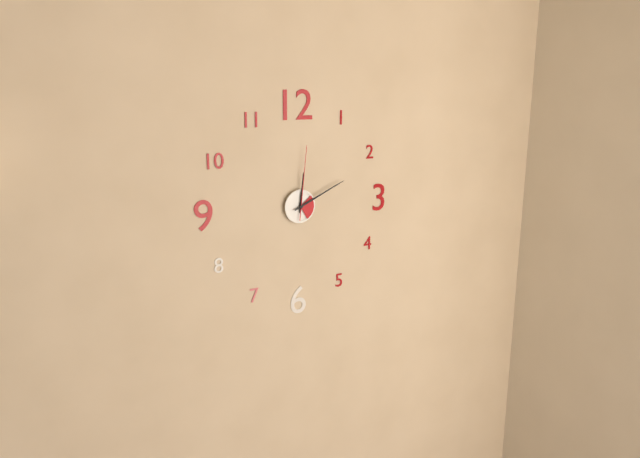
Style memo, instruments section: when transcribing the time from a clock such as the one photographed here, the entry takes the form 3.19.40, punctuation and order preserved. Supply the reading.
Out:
12.11.01
